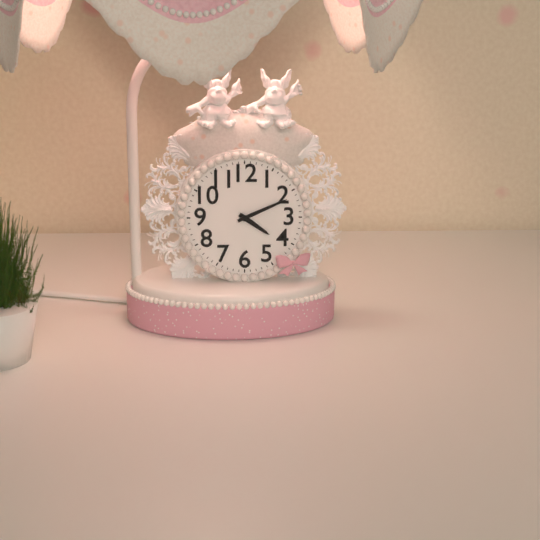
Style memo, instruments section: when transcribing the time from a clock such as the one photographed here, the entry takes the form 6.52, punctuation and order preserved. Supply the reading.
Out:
4.11
